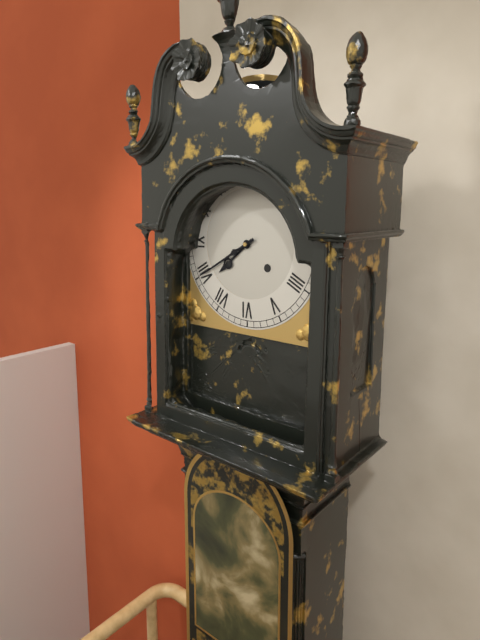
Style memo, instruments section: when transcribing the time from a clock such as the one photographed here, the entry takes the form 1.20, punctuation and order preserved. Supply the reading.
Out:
7.40
